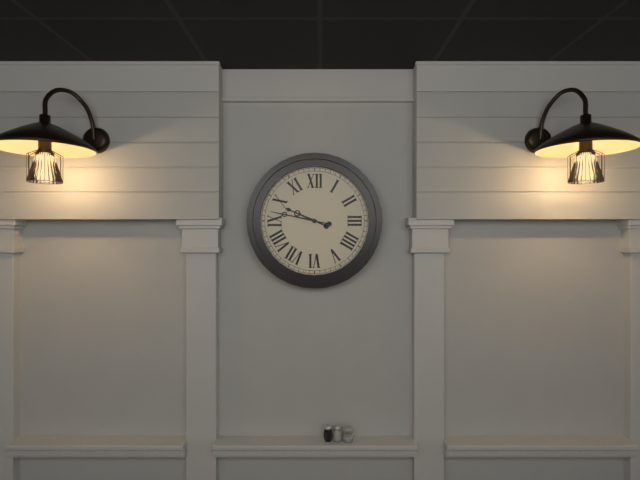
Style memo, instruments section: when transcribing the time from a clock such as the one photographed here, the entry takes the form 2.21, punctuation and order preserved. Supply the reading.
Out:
9.47
